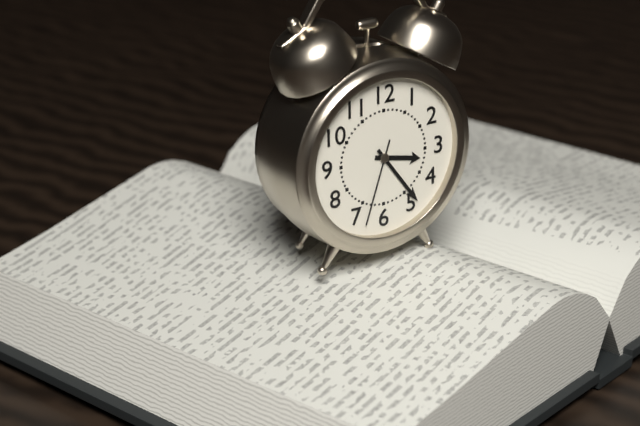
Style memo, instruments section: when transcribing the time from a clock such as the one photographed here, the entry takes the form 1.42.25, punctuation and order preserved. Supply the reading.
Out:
3.24.33
